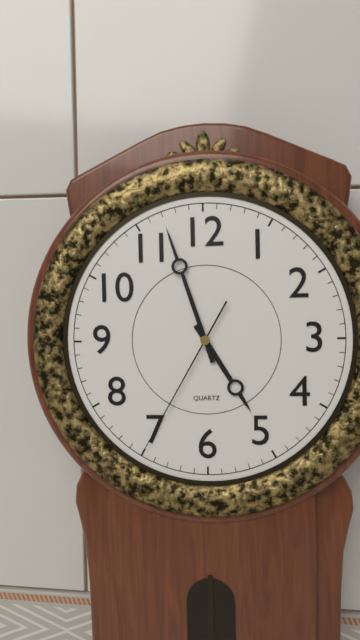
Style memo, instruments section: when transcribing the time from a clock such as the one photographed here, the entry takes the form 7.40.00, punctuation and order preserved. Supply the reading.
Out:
4.57.35
